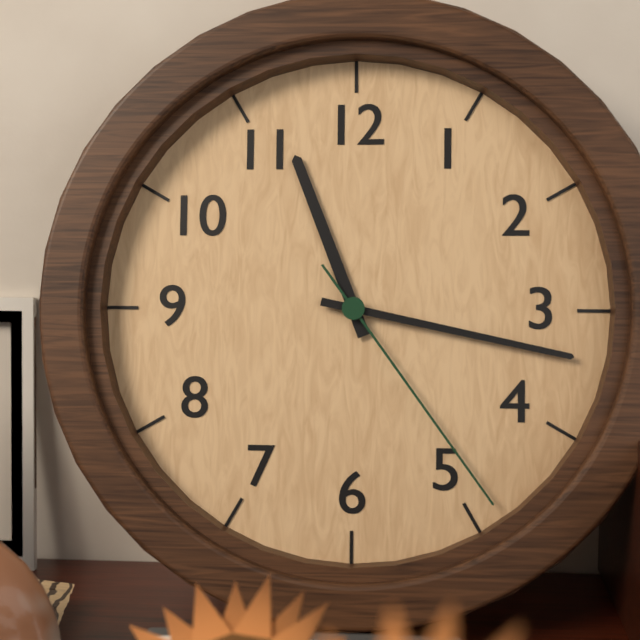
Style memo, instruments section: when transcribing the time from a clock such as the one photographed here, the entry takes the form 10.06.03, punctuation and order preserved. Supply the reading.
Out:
11.17.24
